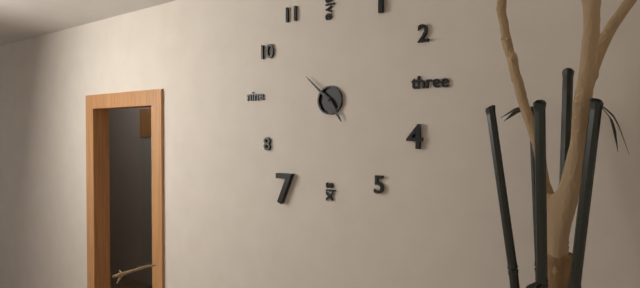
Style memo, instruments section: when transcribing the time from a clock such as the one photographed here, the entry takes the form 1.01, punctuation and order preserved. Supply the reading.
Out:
4.52
